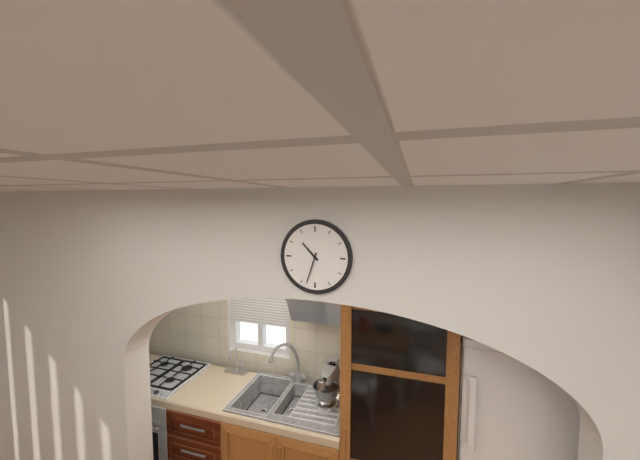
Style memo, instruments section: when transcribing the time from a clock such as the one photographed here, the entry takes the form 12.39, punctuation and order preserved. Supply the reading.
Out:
10.33
